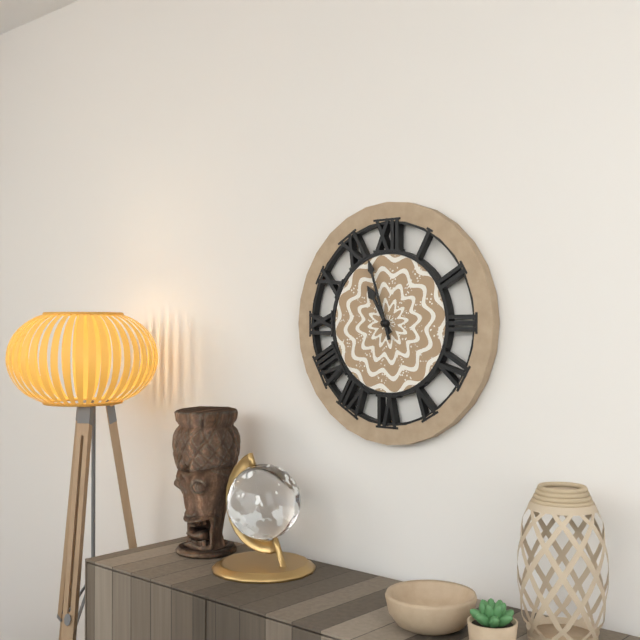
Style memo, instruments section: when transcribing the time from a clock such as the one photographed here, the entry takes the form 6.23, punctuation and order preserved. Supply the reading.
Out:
10.57
